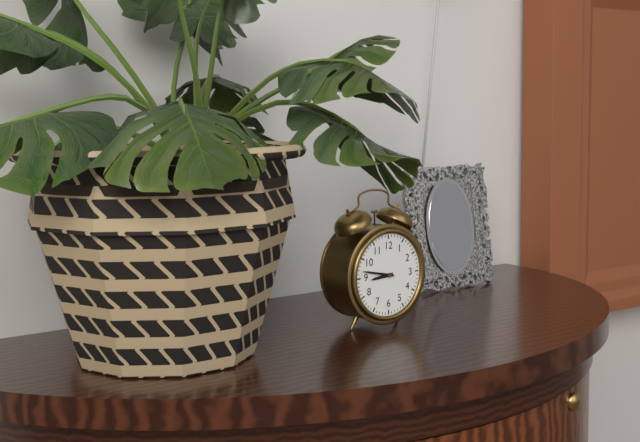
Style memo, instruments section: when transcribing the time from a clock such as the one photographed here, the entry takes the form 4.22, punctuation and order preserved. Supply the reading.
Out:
8.47
